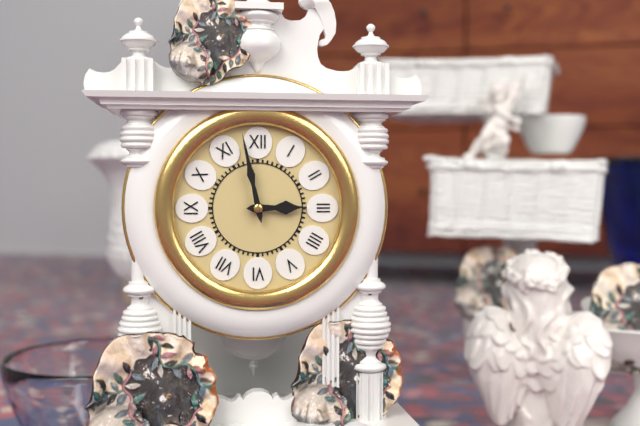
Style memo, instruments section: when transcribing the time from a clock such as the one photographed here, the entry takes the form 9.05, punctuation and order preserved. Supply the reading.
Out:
2.58
